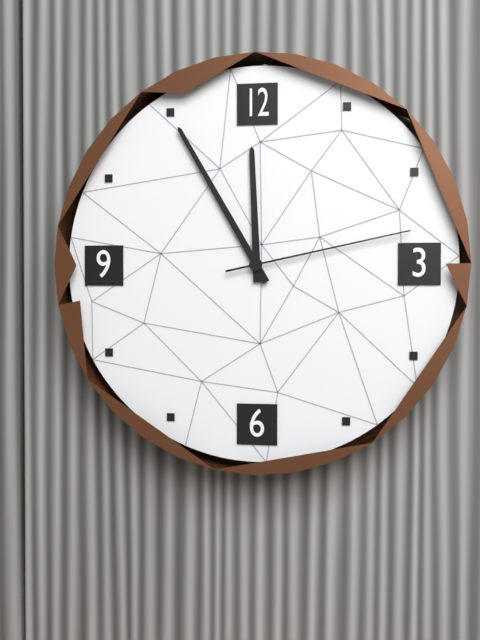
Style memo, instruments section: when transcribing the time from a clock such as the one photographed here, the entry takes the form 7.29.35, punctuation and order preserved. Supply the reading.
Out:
11.55.13
